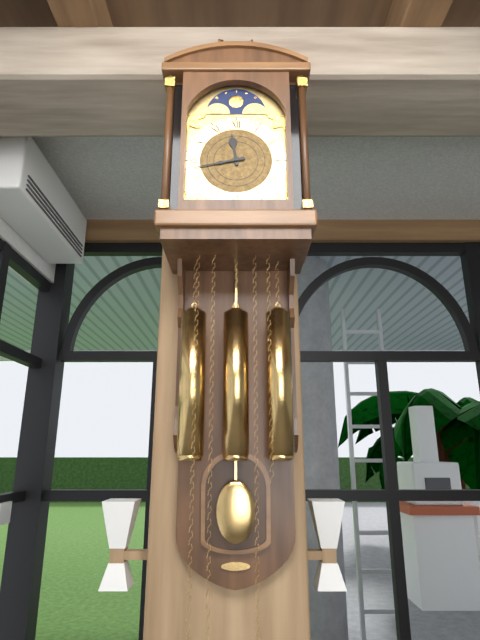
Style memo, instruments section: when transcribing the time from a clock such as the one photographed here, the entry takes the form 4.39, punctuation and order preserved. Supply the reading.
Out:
11.43
